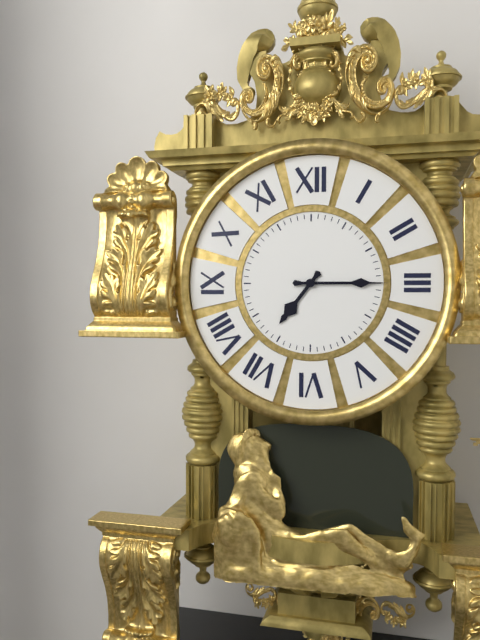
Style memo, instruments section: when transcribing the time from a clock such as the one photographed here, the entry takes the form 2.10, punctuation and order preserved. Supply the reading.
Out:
7.15
